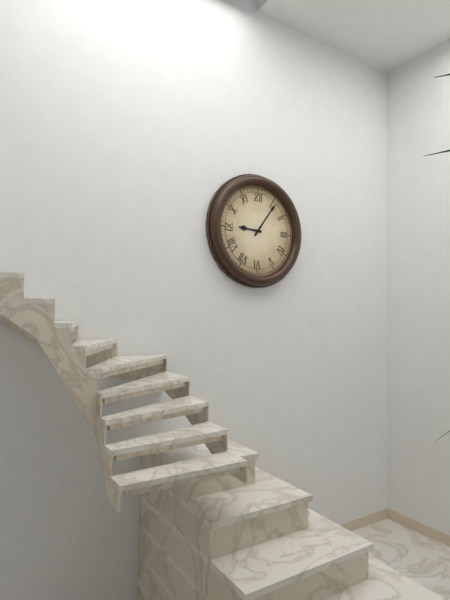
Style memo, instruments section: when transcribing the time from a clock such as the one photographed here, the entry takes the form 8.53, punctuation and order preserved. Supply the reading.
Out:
9.06
